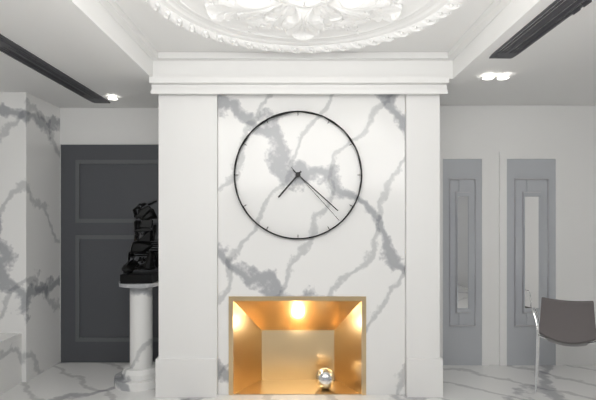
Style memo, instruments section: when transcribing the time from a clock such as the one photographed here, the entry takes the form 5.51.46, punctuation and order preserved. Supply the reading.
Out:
7.22.23
